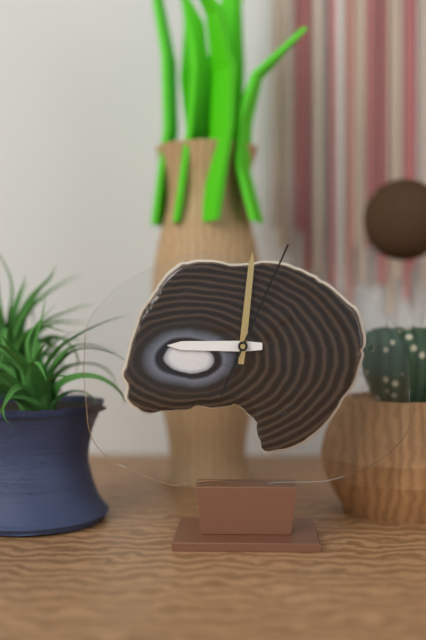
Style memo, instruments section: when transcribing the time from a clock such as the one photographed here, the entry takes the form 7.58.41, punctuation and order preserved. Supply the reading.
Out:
9.01.04
